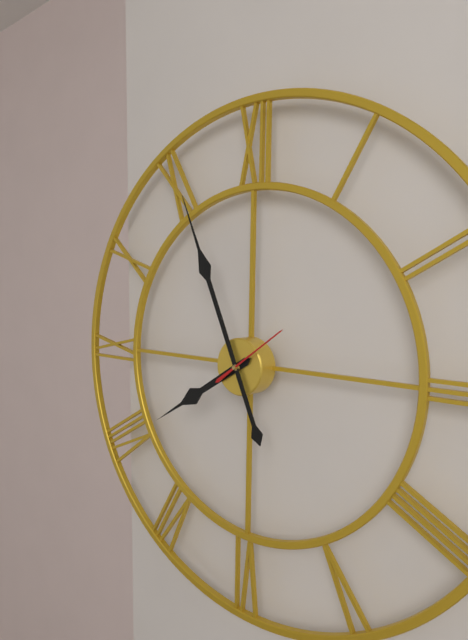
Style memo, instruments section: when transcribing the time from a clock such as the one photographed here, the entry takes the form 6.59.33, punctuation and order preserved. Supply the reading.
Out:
7.56.09
